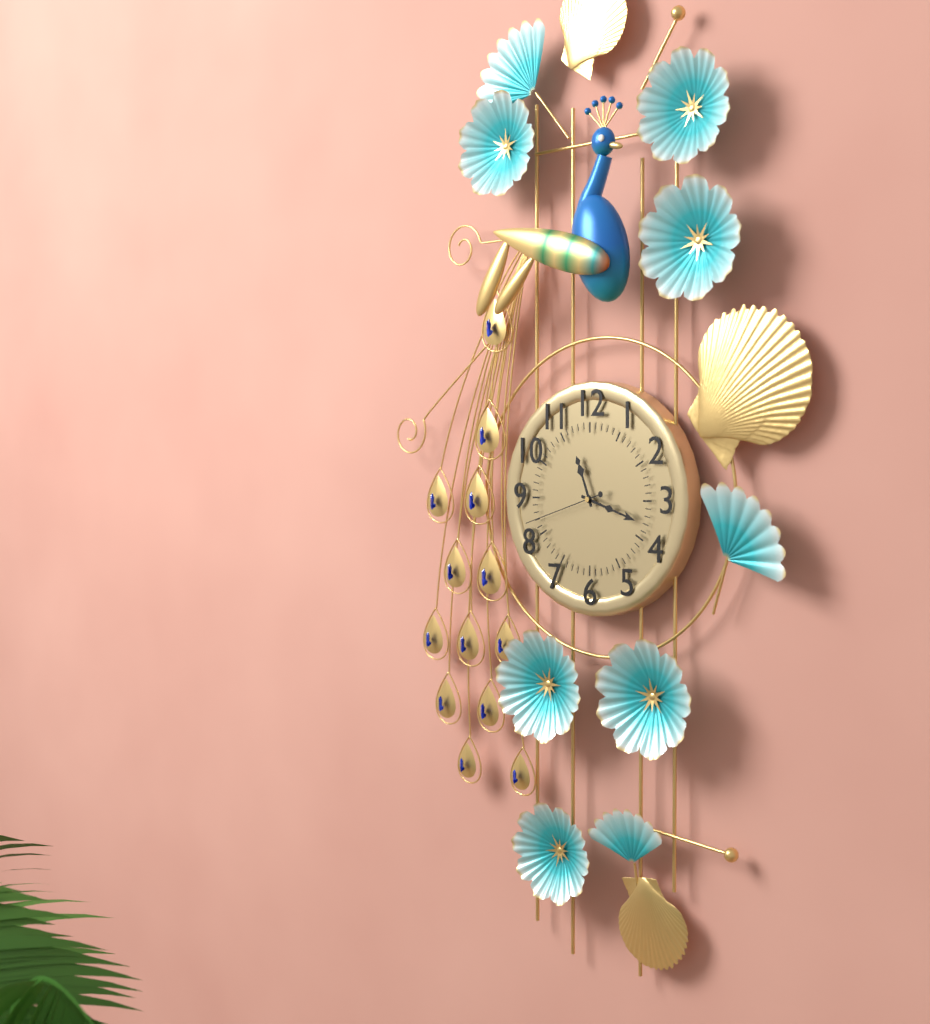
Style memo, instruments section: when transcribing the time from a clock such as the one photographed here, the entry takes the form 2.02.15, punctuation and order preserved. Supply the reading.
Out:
11.18.42
